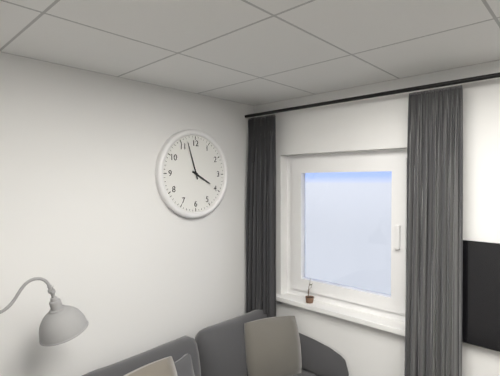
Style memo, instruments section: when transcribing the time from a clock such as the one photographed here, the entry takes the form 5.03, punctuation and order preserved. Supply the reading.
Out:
3.57
